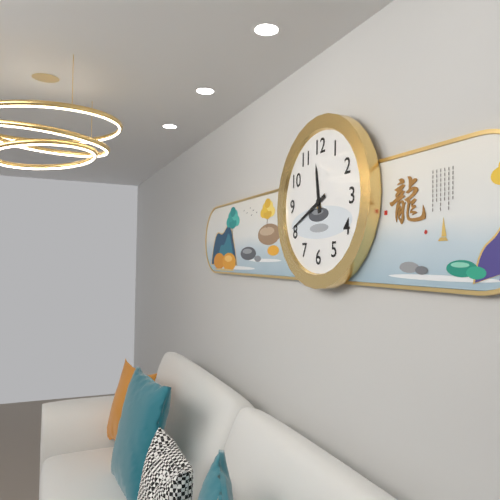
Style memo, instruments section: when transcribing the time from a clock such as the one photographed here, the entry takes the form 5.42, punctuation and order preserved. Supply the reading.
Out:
11.41
